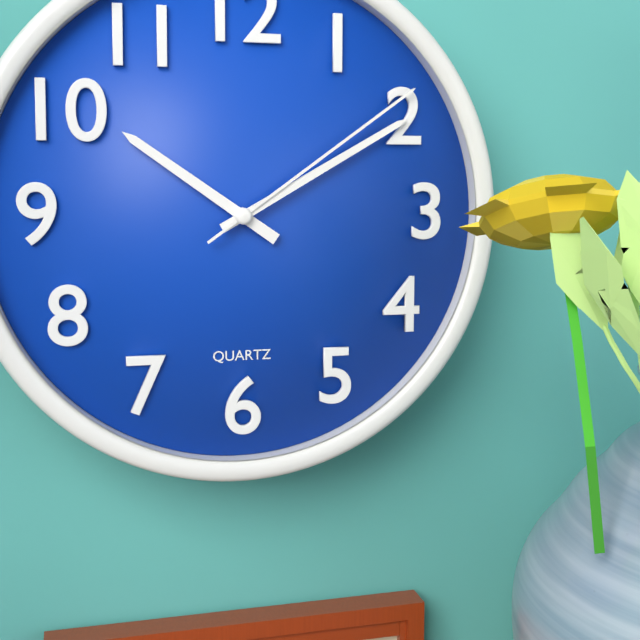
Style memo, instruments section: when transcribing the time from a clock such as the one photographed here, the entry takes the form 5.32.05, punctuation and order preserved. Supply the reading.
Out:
10.10.09
